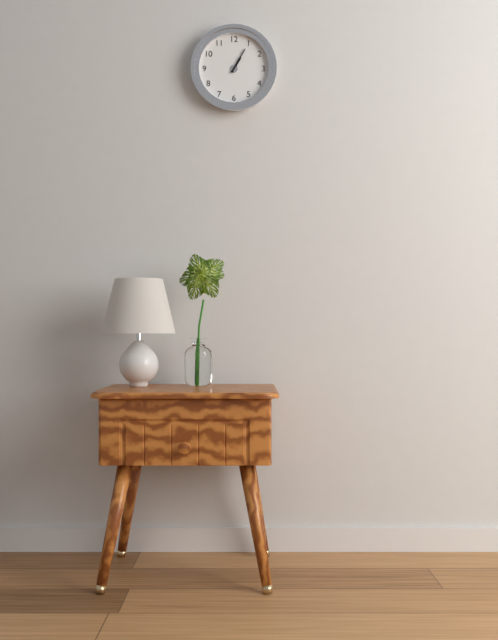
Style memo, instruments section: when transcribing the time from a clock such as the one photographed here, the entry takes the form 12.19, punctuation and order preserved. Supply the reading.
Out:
1.05
